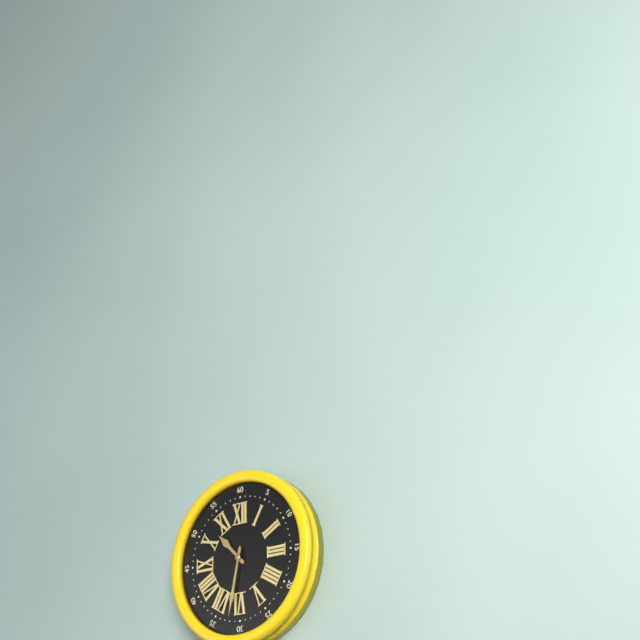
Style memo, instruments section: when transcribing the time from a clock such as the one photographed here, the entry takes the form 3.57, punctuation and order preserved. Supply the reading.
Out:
10.32
